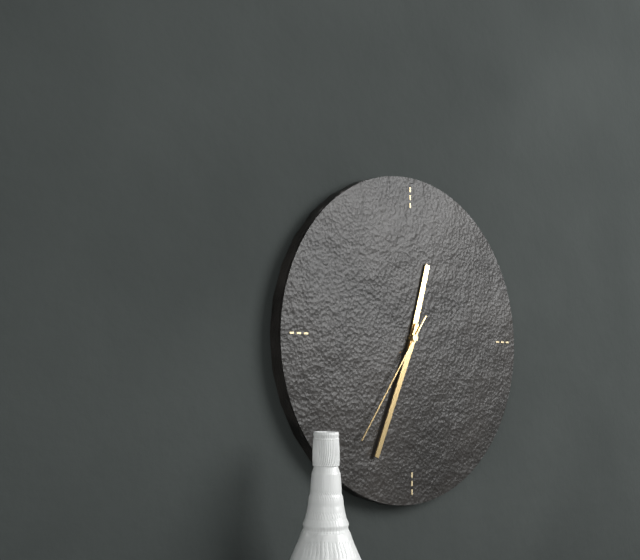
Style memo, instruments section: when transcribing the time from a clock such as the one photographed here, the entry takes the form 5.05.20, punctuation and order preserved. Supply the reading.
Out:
12.34.36
